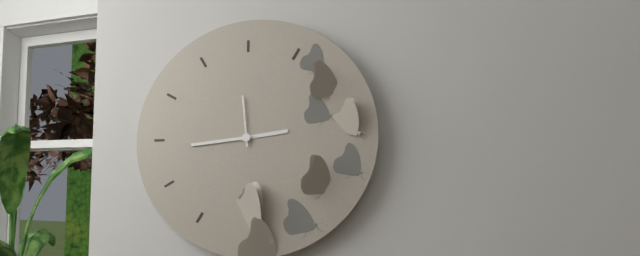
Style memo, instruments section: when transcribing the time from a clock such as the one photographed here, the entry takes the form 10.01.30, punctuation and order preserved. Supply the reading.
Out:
2.44.59
